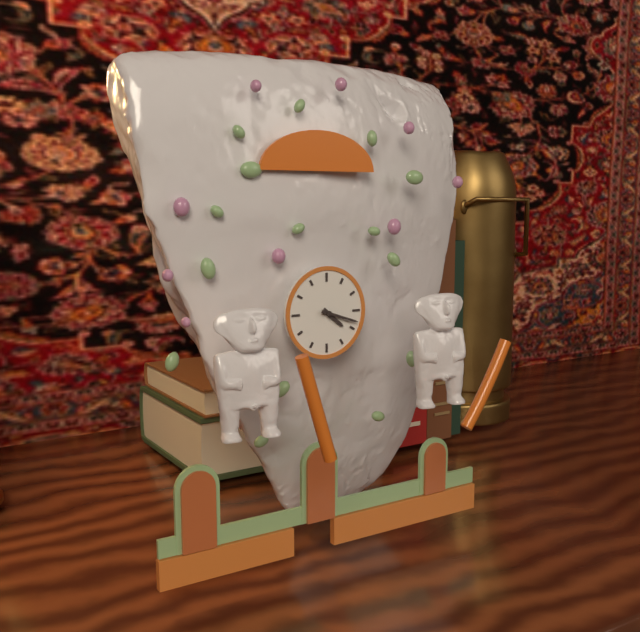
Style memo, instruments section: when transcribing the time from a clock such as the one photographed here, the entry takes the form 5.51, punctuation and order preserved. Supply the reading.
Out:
4.18
